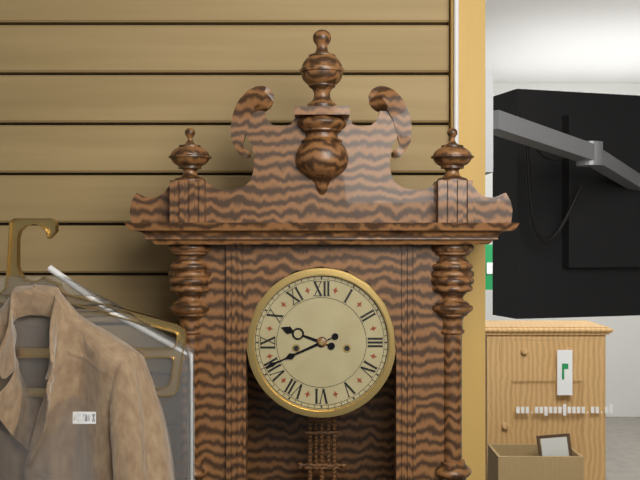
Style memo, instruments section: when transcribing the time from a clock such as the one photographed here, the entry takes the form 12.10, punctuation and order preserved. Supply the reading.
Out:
9.41
